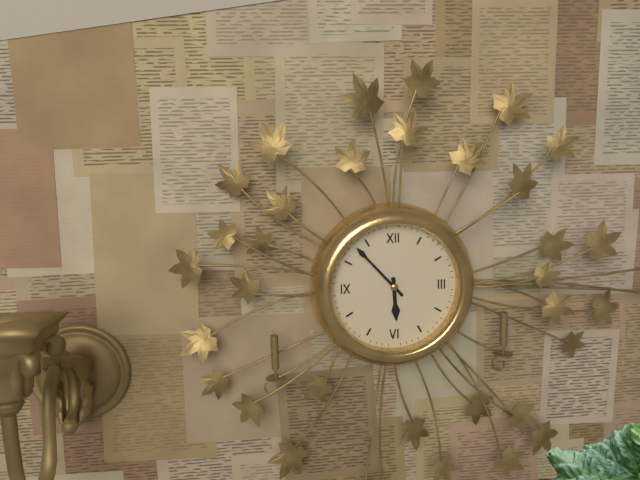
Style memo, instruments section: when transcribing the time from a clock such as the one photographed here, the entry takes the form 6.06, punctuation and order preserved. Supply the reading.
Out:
5.53
